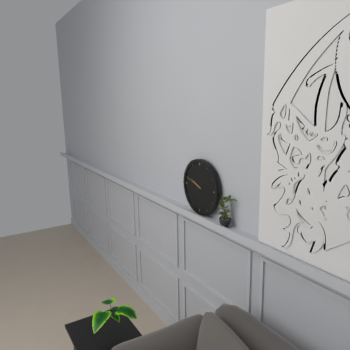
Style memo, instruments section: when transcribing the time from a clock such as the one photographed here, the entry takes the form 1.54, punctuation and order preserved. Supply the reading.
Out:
9.48
